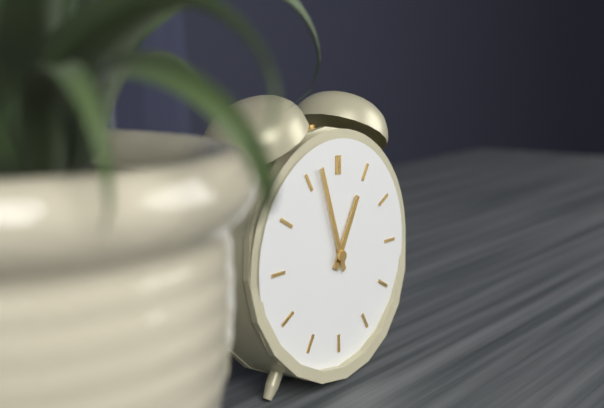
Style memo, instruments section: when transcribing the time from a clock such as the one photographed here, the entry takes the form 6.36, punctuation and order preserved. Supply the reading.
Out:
12.57
